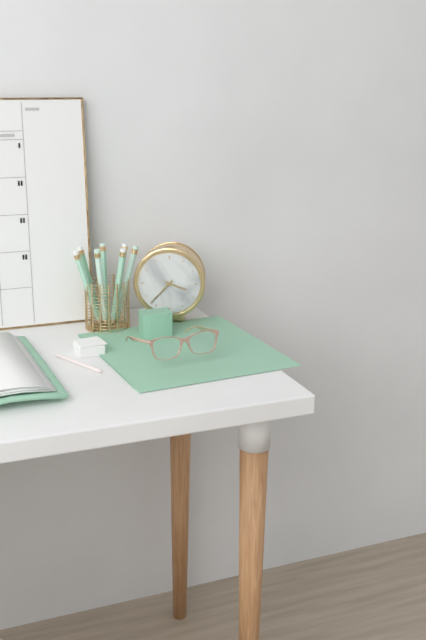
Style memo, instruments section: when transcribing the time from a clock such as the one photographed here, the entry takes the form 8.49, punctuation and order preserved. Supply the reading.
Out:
3.37
